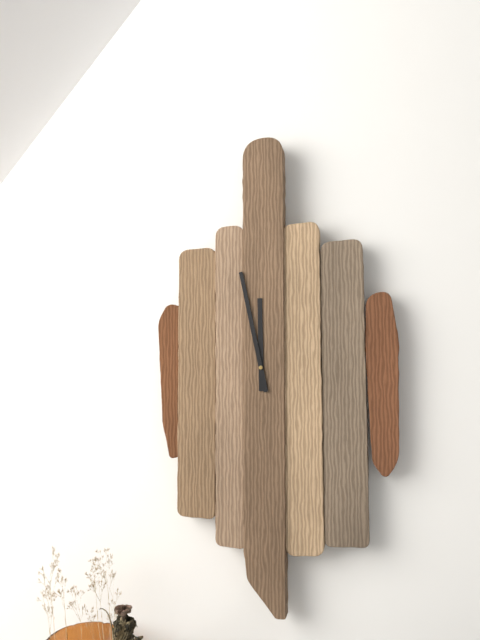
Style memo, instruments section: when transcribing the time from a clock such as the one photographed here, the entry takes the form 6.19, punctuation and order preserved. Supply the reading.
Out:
11.58
